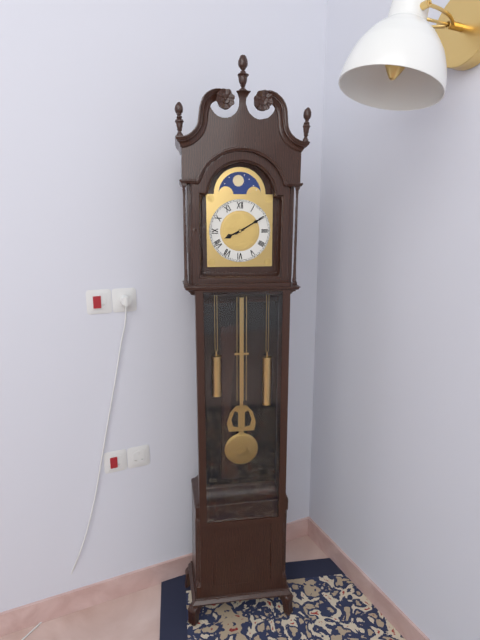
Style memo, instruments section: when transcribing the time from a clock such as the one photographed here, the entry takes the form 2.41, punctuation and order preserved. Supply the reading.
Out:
8.10
